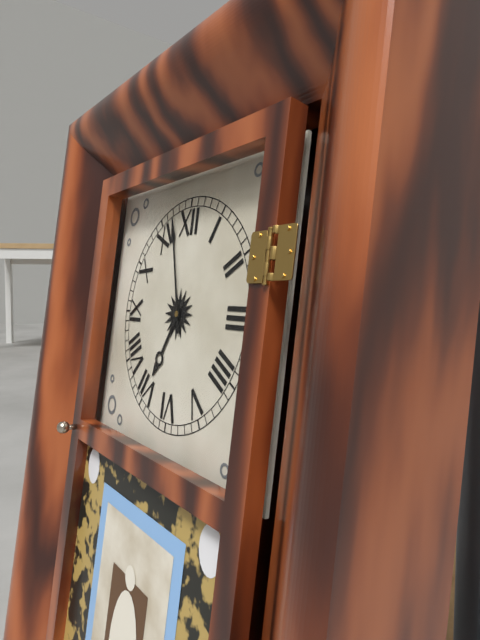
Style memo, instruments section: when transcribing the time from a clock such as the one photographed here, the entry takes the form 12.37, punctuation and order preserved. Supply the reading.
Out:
6.57
